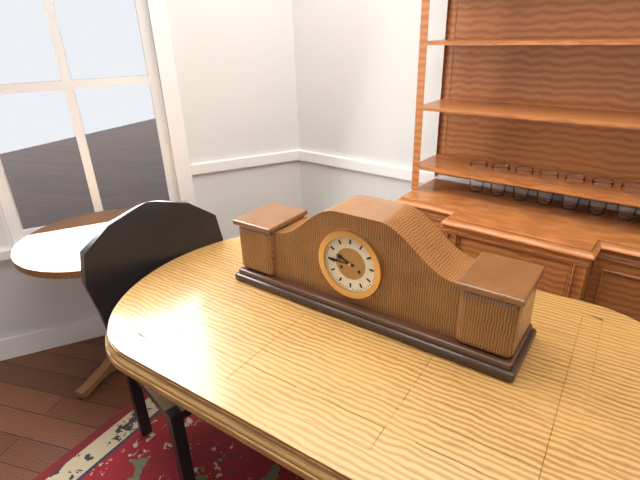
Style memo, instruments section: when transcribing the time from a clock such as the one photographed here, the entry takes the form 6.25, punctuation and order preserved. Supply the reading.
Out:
9.45
